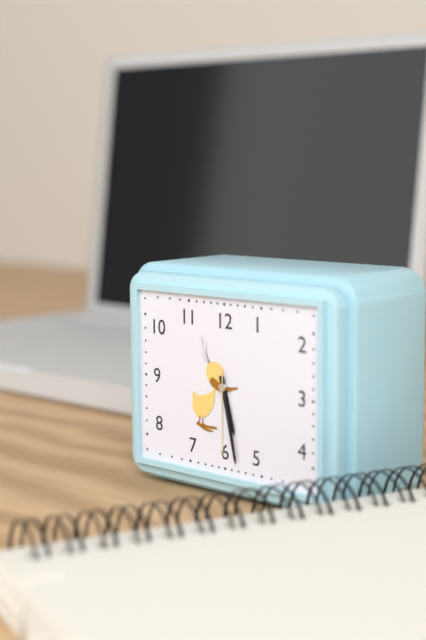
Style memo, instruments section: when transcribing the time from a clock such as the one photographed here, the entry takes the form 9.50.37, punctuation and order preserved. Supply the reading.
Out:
5.28.30
